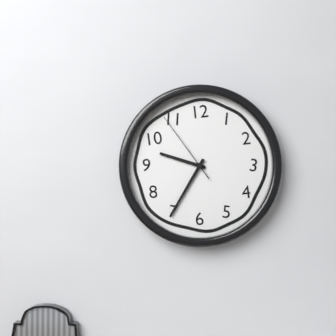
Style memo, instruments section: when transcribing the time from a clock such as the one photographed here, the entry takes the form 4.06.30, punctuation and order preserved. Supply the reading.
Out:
9.35.54
